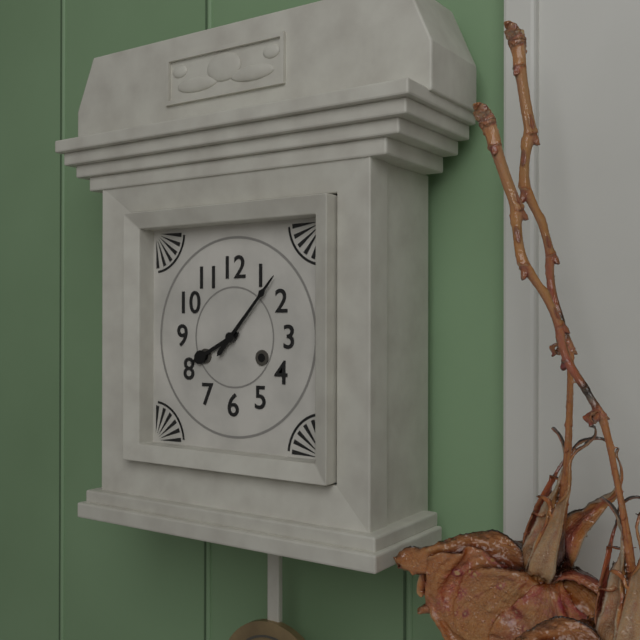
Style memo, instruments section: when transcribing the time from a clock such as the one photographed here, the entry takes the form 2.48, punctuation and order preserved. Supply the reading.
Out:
8.07
